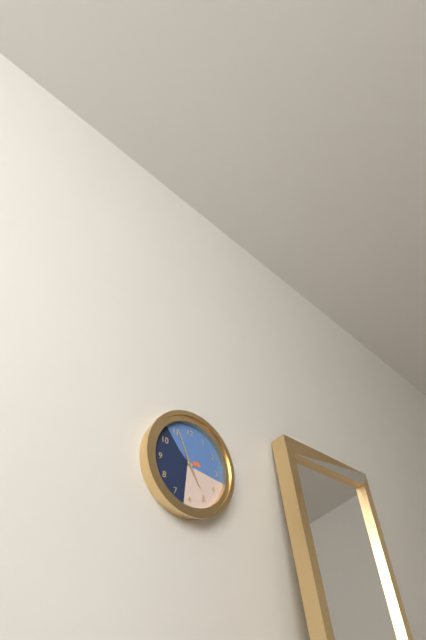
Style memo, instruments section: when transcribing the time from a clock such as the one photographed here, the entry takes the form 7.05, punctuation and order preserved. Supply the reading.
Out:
4.56
